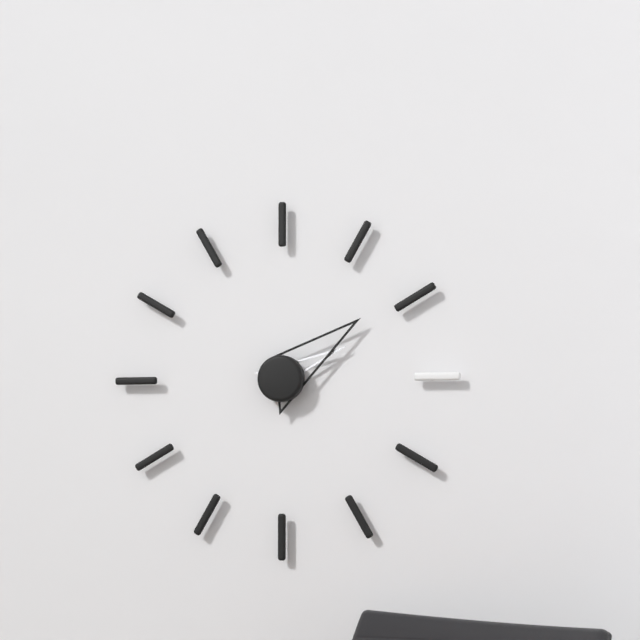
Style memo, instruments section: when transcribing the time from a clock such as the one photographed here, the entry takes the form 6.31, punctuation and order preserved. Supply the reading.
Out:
2.09
